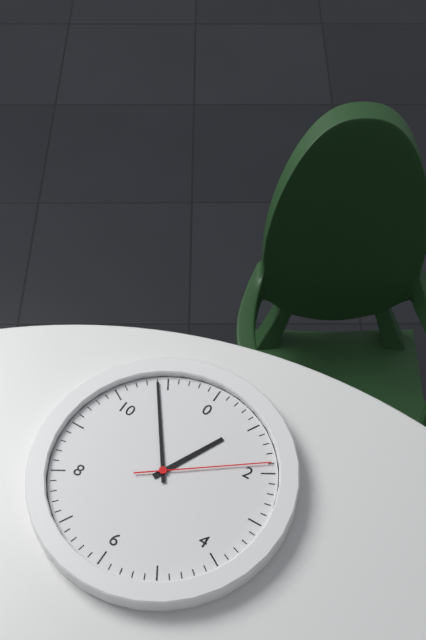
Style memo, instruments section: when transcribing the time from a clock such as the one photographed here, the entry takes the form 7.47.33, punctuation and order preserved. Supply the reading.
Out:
12.54.09
